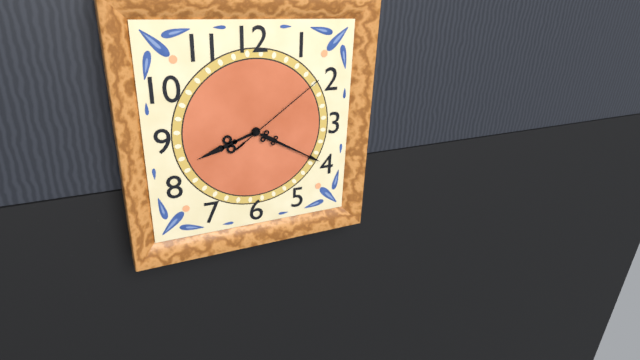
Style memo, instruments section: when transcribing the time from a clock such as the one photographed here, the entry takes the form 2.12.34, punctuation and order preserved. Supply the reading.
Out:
8.20.09
